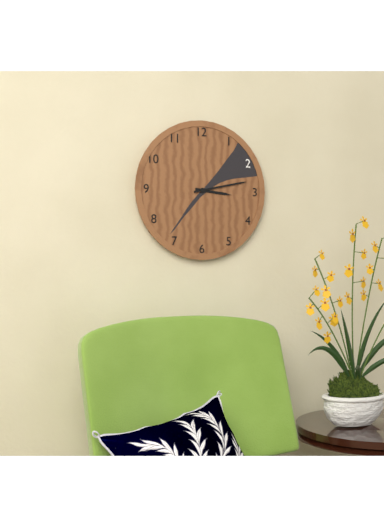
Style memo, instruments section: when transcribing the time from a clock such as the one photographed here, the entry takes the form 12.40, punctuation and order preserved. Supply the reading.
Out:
3.13
